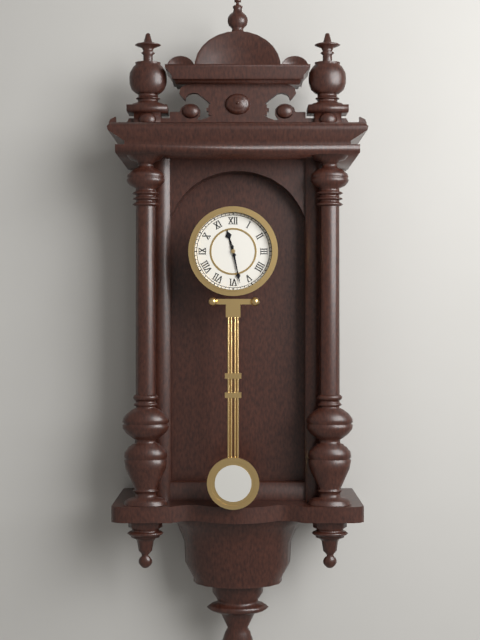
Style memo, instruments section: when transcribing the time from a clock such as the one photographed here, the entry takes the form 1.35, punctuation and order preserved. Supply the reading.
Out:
11.28
